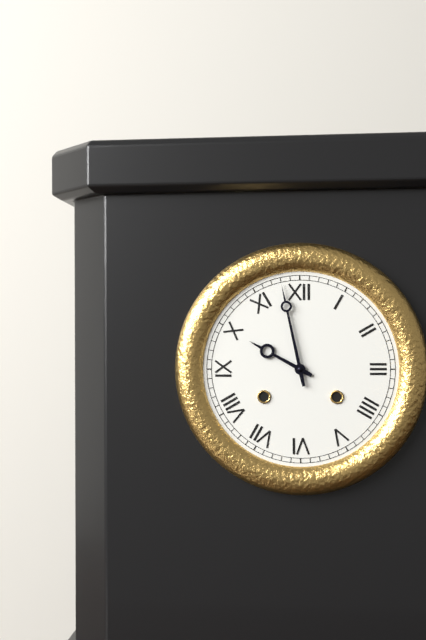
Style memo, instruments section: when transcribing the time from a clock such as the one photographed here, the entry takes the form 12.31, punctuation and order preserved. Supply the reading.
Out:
9.58
